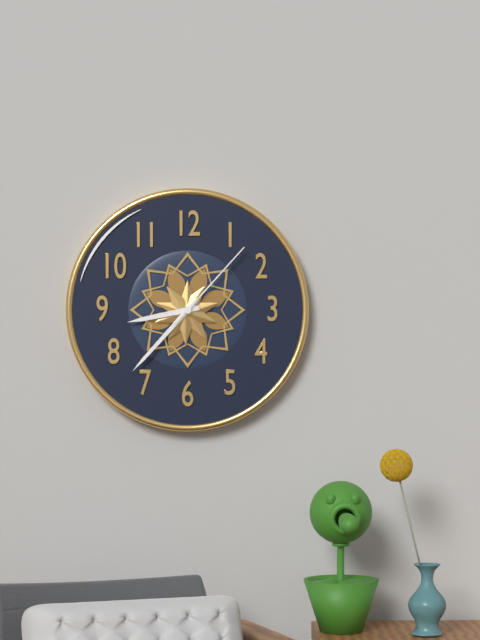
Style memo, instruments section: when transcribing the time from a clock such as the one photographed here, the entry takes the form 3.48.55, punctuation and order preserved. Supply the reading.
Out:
8.37.07
